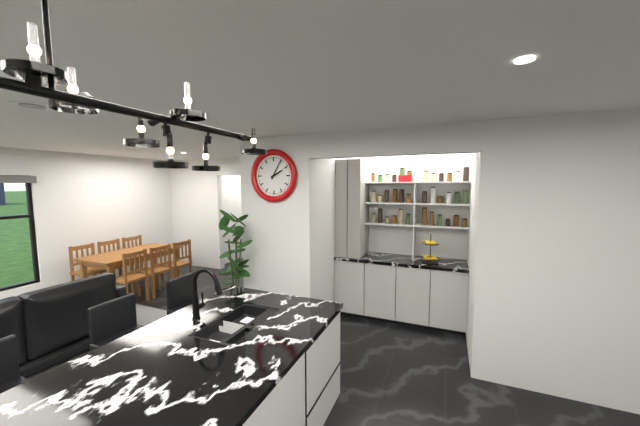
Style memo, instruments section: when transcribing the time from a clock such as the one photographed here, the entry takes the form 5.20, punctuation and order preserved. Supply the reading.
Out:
2.05
